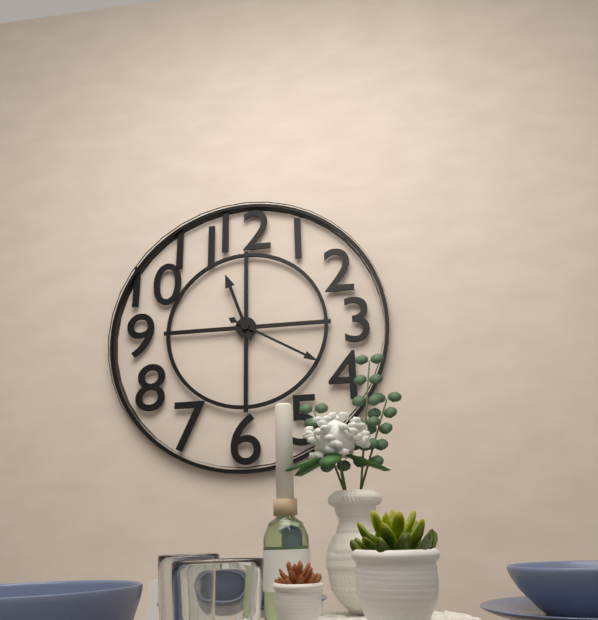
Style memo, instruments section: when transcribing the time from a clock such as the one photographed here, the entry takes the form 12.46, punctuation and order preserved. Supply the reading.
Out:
11.20
